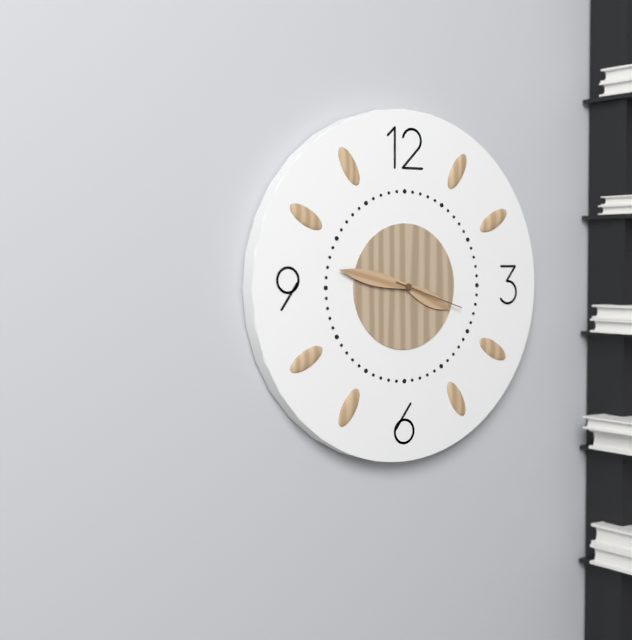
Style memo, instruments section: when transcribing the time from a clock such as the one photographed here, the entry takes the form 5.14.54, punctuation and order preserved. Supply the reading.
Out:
3.47.18
